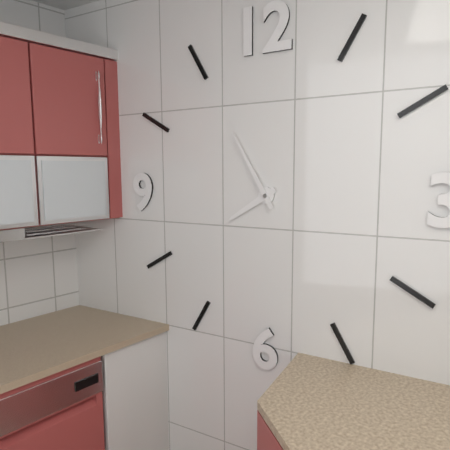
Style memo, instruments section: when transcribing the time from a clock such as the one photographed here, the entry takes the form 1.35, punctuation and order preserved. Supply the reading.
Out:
7.55
